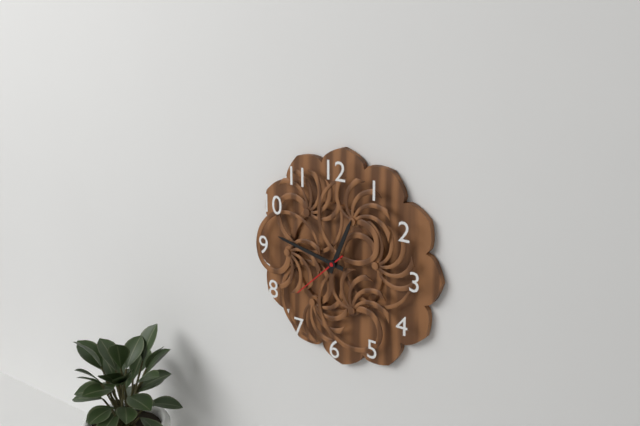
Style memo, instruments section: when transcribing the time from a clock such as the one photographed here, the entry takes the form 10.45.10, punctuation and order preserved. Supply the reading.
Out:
12.47.38
